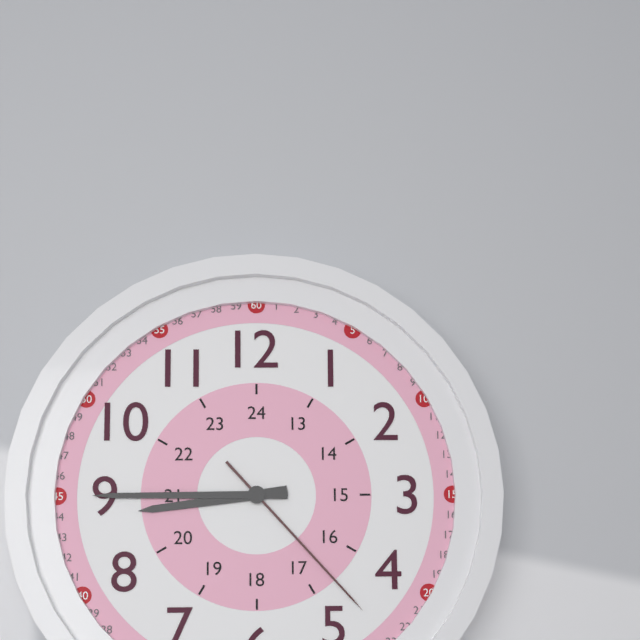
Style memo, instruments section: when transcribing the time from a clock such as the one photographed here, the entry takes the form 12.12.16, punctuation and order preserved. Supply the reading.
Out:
8.45.23
